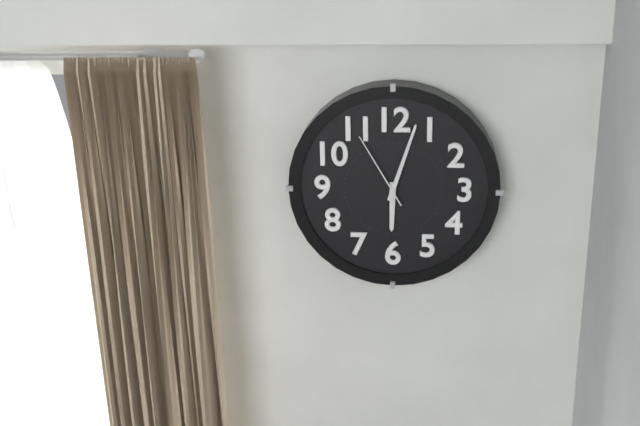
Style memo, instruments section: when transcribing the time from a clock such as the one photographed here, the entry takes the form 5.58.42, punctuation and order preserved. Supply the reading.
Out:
6.03.55
